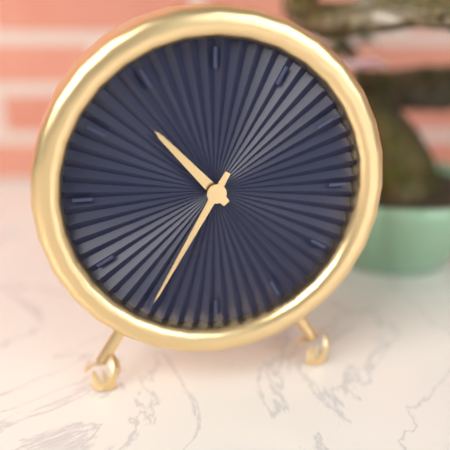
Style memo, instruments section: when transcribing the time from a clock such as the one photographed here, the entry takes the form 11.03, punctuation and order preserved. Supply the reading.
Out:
10.35
